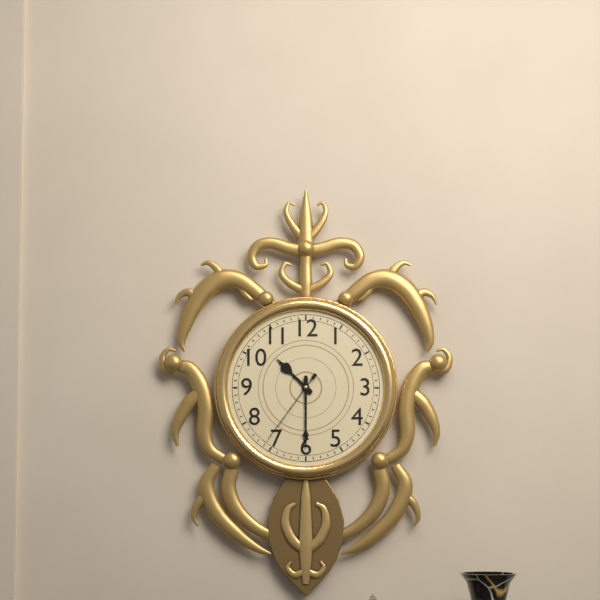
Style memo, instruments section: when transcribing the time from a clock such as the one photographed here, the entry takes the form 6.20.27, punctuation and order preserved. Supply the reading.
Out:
10.30.36
